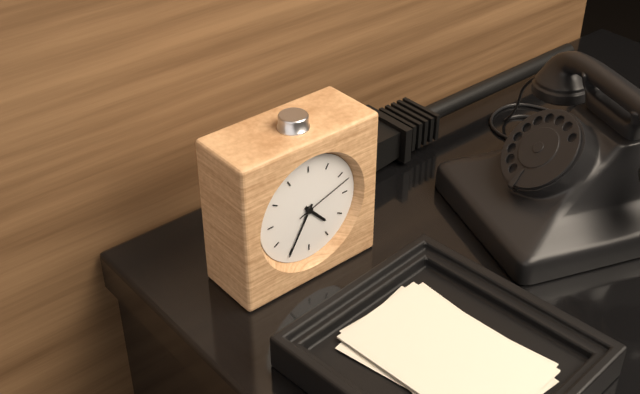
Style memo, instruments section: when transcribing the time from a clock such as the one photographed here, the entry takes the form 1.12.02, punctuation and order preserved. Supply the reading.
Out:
4.35.12
